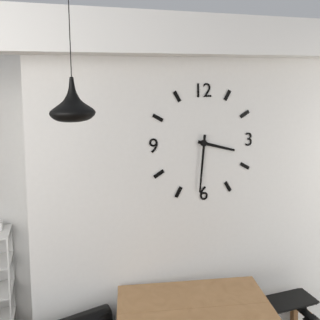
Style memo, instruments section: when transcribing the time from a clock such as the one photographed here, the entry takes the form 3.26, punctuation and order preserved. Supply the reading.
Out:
3.31
